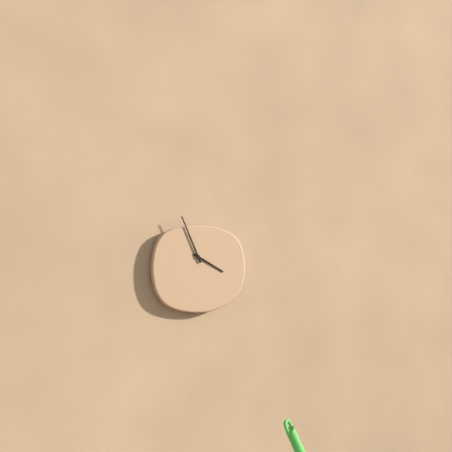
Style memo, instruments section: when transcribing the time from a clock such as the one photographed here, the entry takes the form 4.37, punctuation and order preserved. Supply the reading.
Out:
3.56
